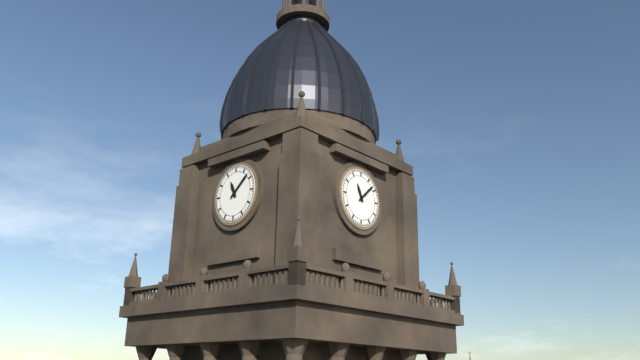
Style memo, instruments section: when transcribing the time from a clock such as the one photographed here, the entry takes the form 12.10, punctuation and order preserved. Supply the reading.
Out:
11.08
